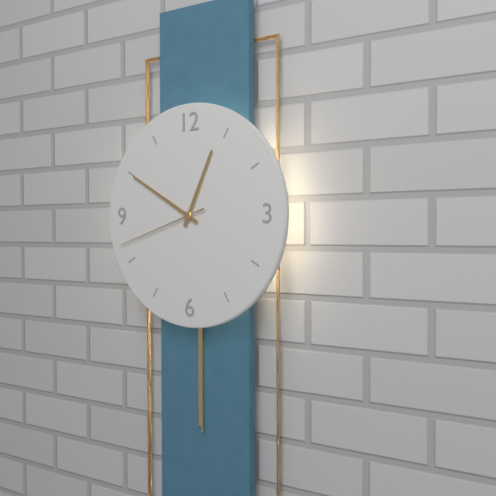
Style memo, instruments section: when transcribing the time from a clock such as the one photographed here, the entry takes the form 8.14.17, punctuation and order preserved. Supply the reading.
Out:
12.50.42
